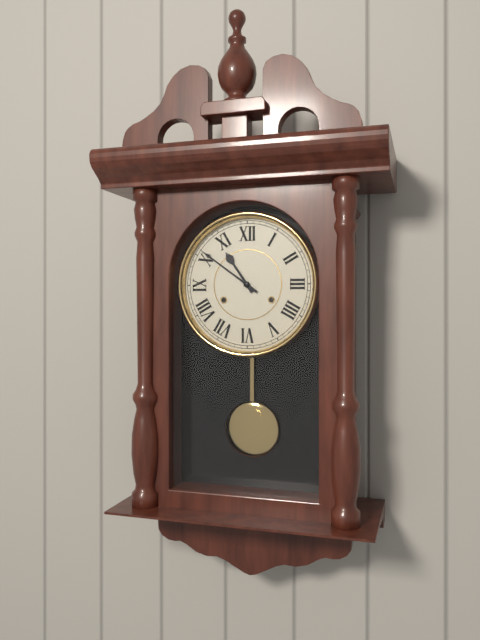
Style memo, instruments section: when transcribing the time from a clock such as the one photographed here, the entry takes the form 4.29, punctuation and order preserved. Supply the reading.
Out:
10.51
